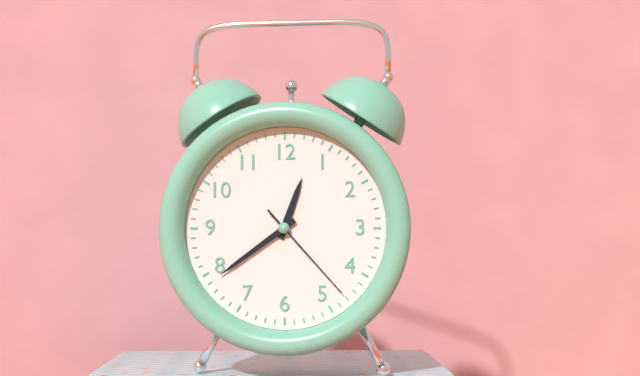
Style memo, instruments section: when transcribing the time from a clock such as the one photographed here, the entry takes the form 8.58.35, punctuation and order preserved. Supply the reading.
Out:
12.39.23
